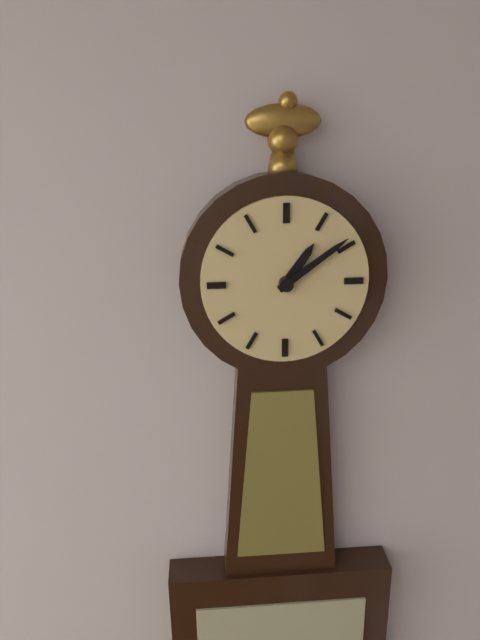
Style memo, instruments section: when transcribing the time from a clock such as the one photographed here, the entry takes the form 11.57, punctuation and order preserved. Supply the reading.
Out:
1.09
